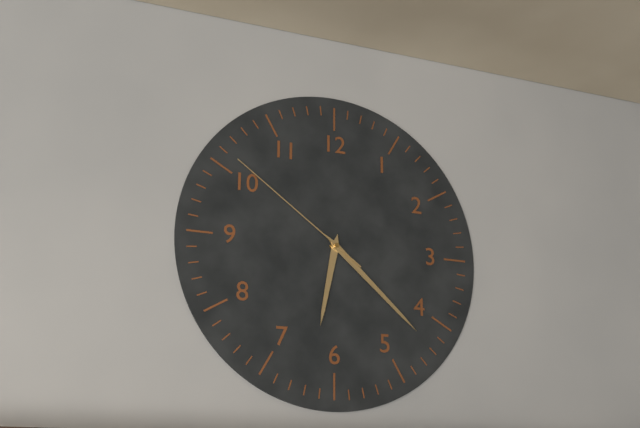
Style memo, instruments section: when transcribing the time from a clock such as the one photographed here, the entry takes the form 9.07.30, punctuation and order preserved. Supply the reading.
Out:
6.22.51
